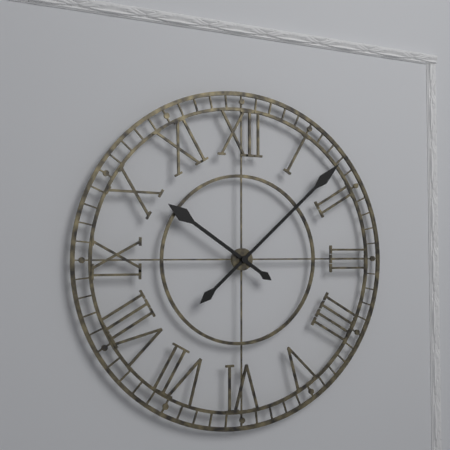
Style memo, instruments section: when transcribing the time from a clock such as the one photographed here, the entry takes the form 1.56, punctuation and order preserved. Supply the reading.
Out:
10.08
